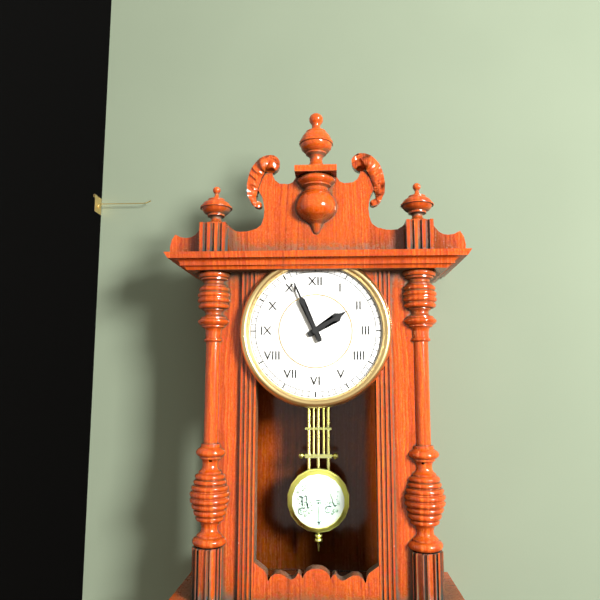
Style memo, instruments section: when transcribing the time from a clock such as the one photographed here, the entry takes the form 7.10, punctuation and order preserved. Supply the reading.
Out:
1.56
